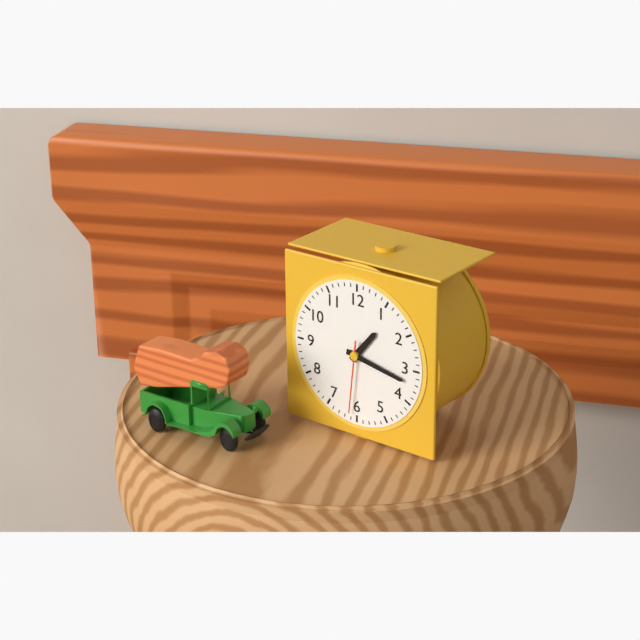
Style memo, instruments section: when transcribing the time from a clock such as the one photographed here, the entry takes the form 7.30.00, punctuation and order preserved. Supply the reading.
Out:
1.17.31
